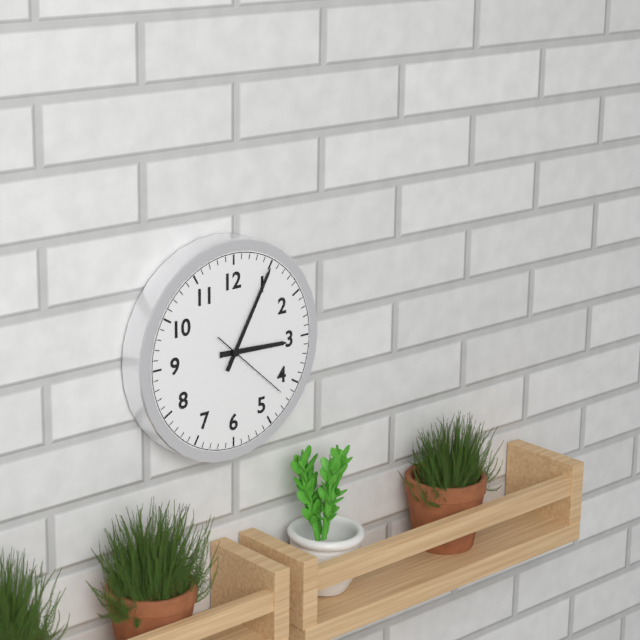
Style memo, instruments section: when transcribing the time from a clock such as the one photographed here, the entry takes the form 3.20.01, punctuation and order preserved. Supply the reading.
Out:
3.05.22
